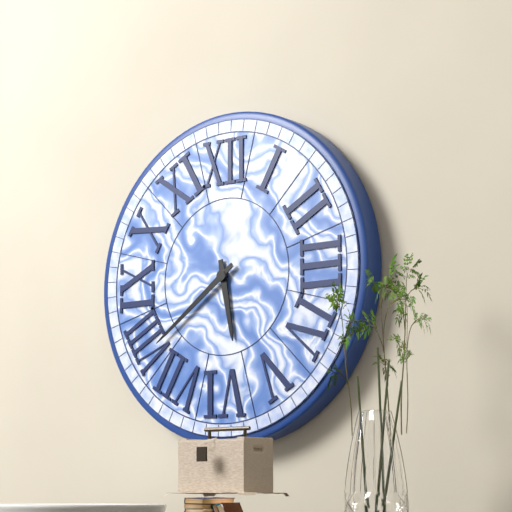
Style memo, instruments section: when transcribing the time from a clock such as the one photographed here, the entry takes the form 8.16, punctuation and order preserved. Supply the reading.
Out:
5.39
